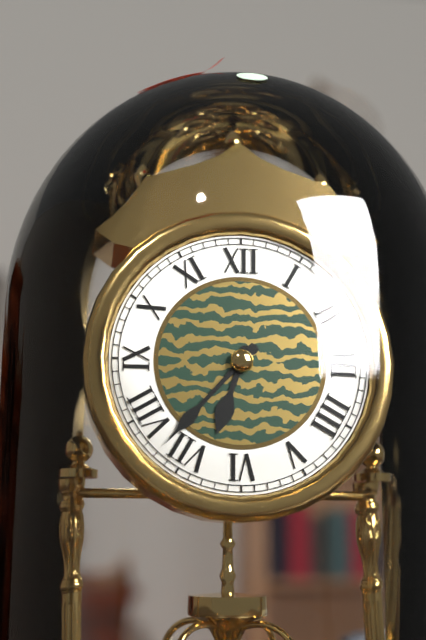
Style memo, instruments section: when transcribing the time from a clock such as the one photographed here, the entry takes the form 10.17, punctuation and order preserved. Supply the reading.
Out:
6.37
